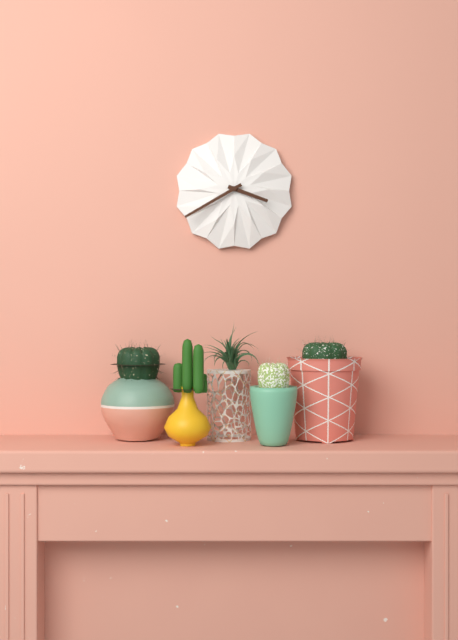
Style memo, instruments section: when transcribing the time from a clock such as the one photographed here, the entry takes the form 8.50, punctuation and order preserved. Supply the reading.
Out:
3.40
